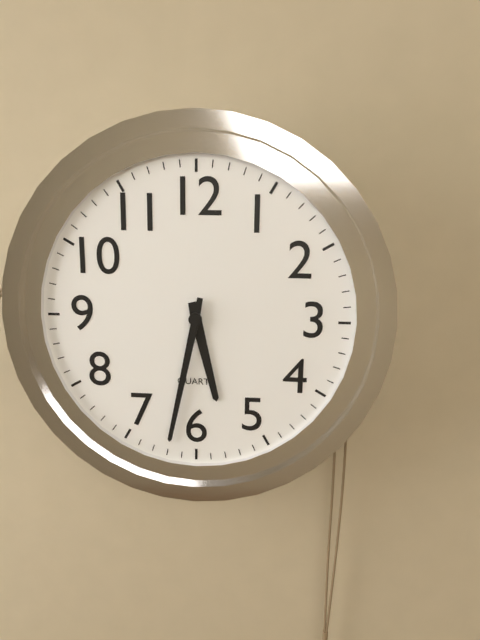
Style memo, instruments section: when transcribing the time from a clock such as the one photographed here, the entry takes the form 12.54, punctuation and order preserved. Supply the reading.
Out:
5.32
